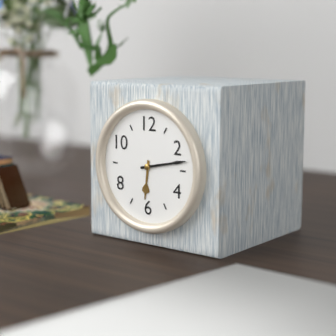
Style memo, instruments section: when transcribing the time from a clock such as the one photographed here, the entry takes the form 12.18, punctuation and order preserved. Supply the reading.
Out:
6.13
